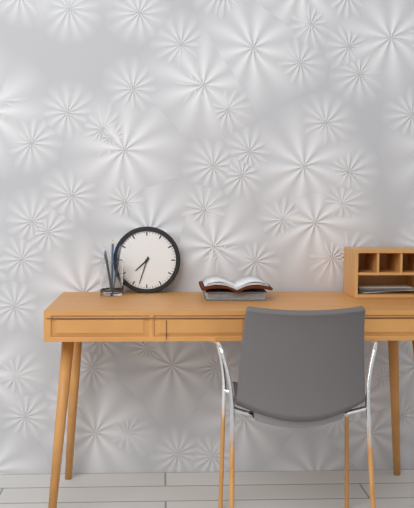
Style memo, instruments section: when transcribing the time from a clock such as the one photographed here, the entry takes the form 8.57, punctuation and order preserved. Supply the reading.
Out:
7.33
